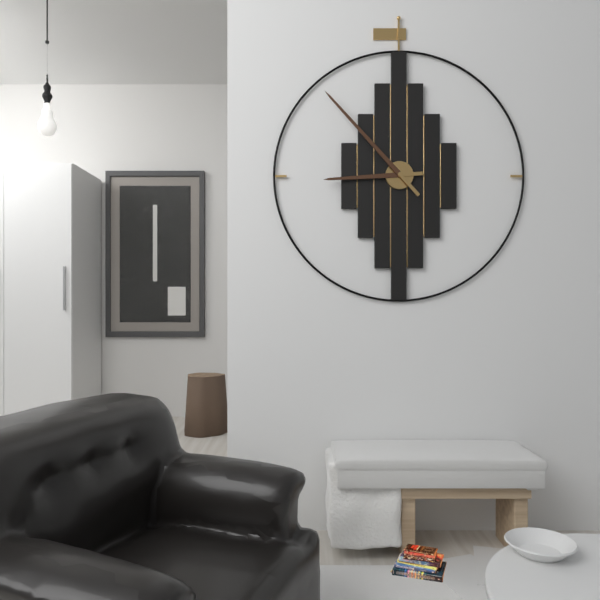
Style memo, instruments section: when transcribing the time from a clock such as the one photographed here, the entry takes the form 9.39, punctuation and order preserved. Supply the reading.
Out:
8.53
